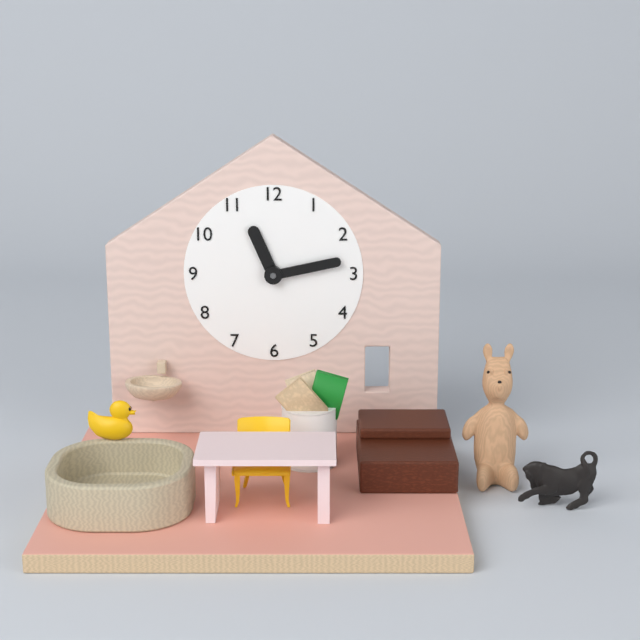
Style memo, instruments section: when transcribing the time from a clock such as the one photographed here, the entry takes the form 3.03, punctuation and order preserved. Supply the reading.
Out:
11.13
